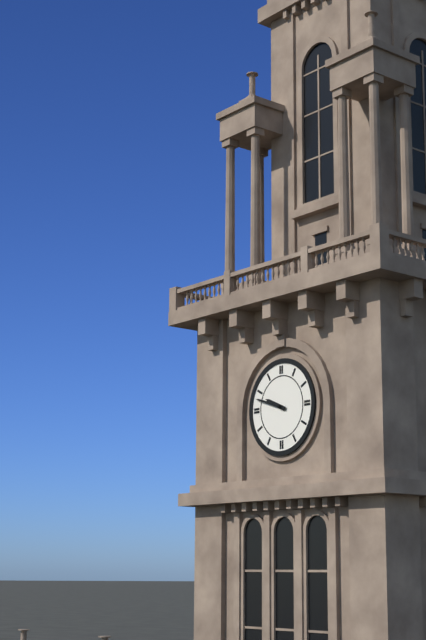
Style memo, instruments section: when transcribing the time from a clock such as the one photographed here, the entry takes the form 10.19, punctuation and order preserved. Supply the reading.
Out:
9.48
